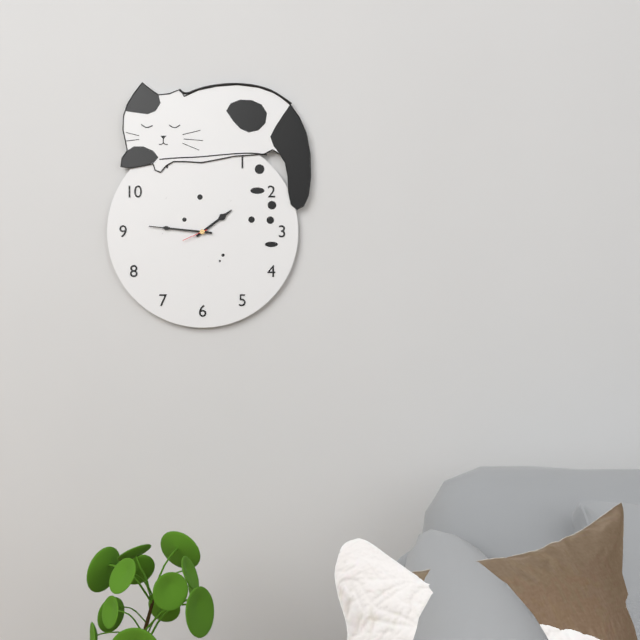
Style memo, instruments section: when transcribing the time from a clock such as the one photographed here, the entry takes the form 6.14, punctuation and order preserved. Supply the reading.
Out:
1.46
